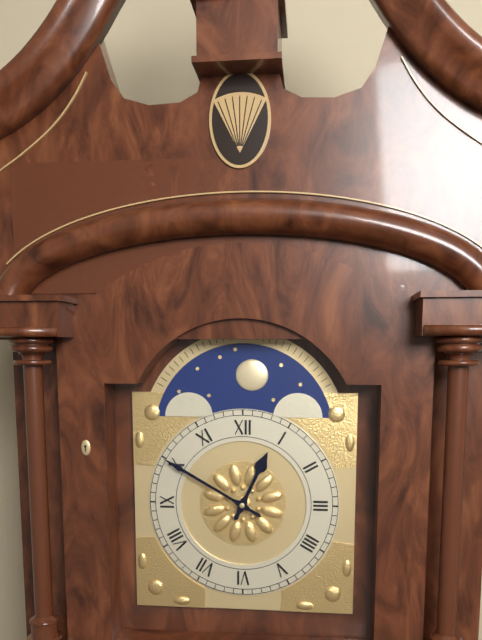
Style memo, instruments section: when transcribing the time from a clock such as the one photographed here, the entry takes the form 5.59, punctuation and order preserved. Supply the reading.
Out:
12.50
